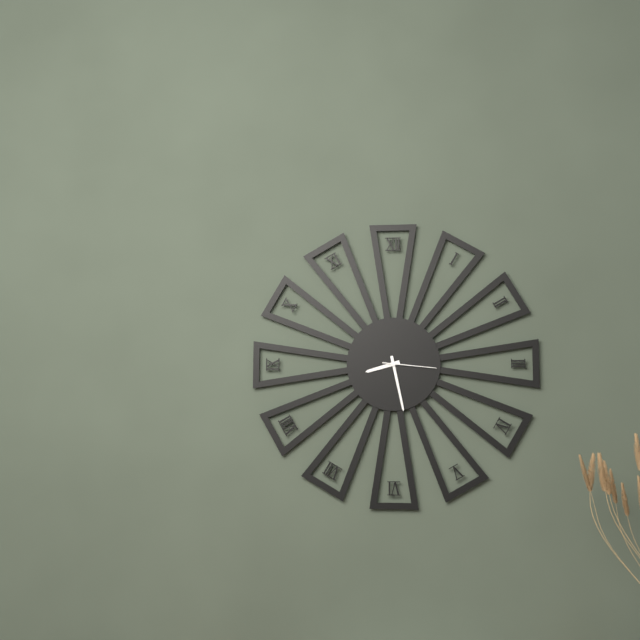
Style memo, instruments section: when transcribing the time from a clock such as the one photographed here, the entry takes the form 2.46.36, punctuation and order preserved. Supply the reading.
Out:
8.28.16
